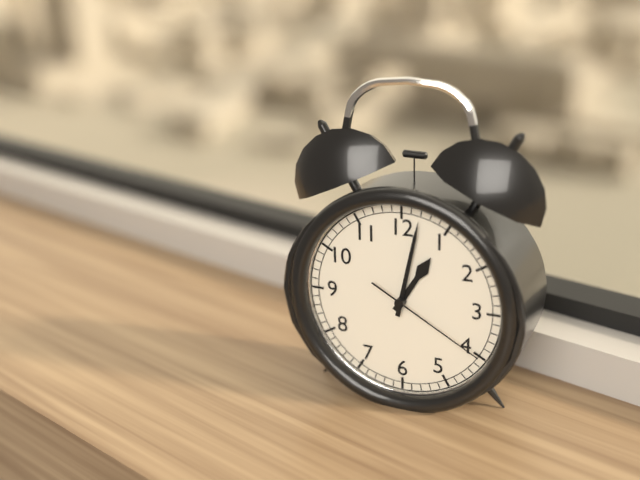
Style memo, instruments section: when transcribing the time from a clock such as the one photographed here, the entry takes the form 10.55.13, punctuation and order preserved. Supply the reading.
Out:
1.02.20
